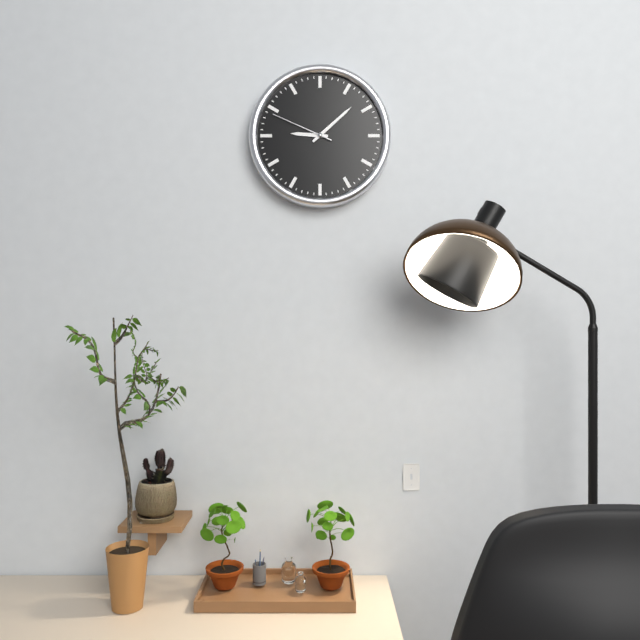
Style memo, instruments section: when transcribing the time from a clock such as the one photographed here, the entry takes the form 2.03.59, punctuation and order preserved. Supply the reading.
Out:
9.08.49
